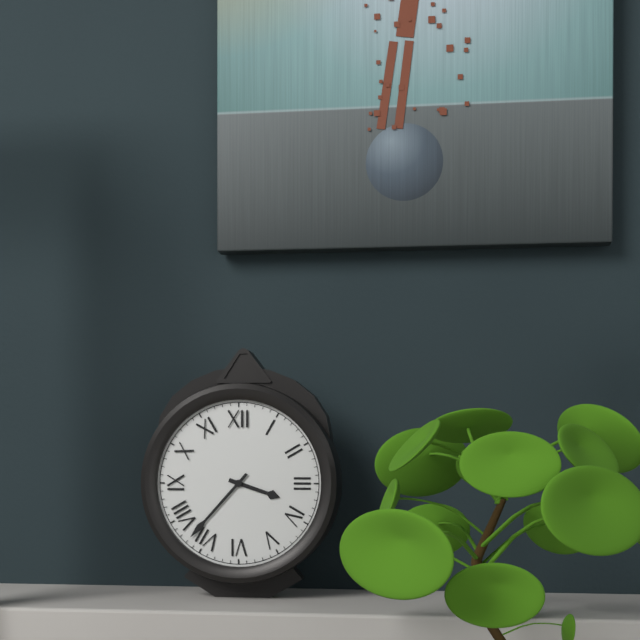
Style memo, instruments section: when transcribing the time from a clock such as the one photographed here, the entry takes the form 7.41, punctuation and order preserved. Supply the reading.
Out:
3.37
